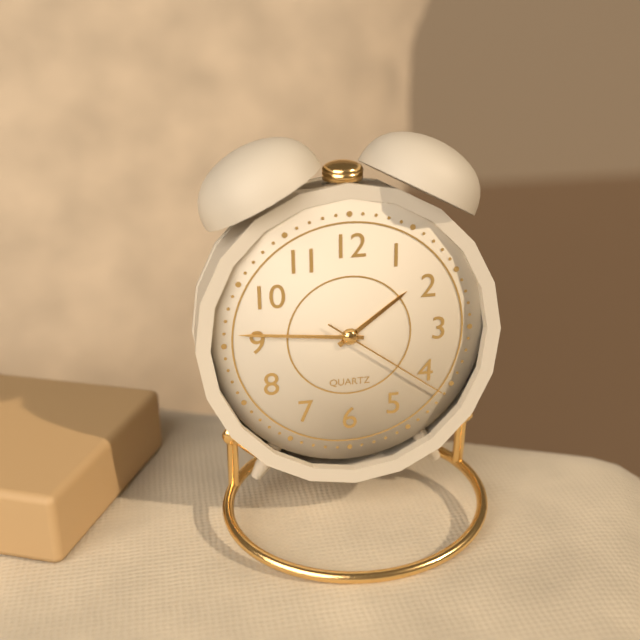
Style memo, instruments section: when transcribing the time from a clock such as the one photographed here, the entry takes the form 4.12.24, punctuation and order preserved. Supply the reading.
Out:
1.46.21
